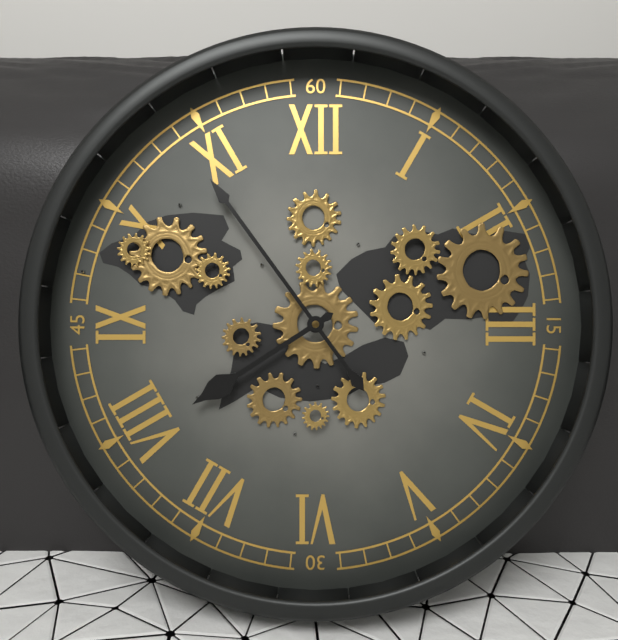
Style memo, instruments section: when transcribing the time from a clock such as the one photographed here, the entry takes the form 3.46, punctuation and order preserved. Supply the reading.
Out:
7.54
